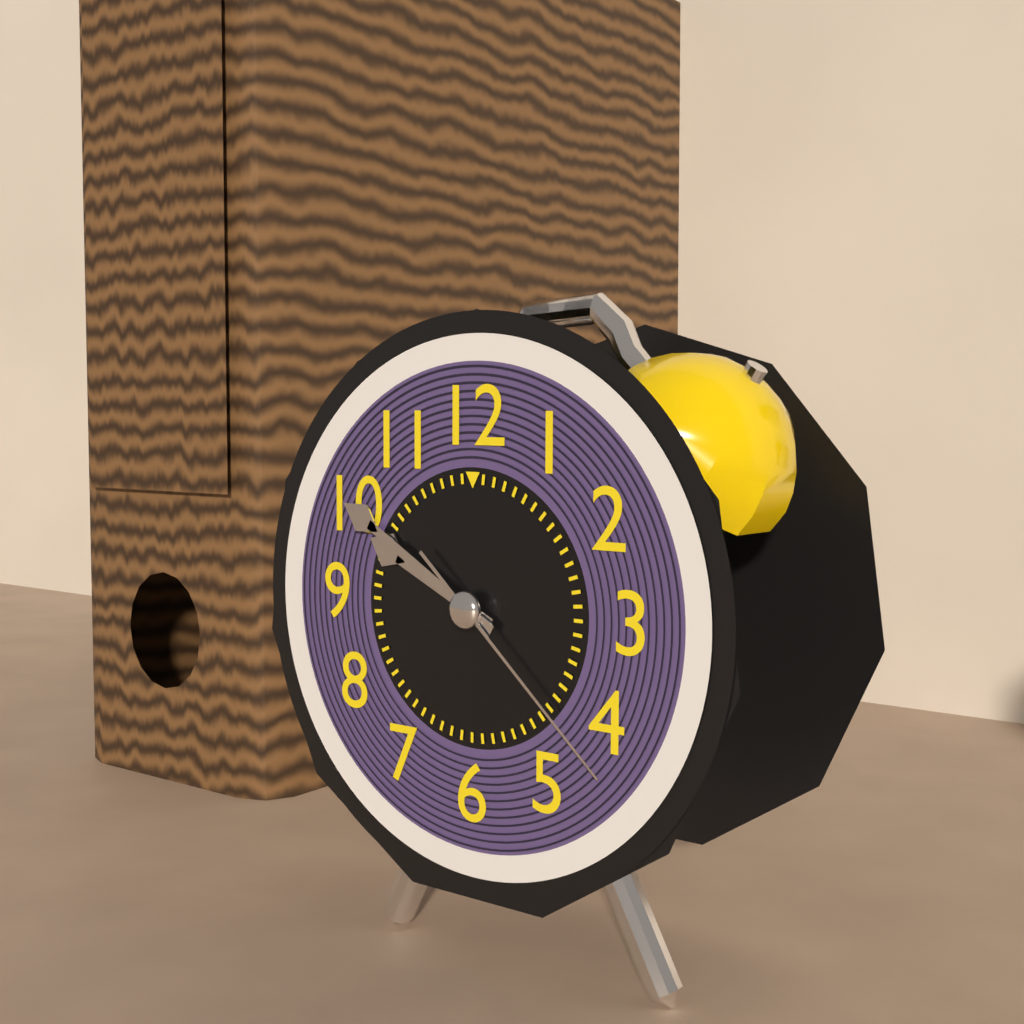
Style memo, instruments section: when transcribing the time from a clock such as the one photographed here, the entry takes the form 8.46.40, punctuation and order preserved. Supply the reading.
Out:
9.50.22
